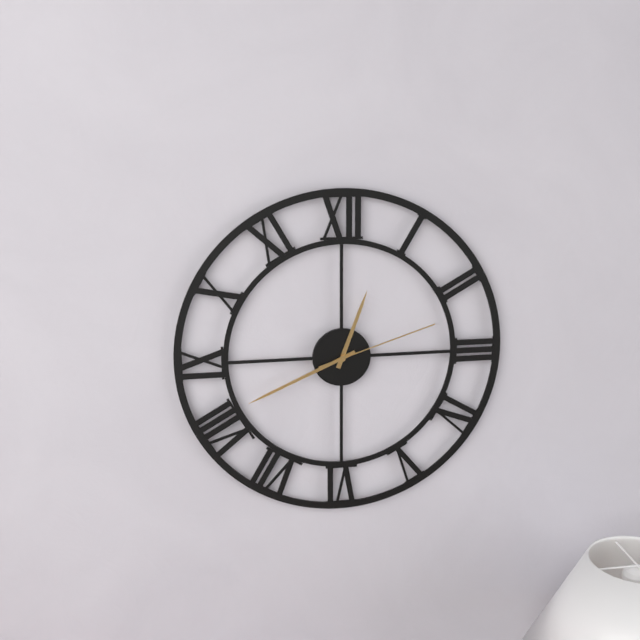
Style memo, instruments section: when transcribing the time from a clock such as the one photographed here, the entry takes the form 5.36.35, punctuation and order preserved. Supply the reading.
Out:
12.41.12
